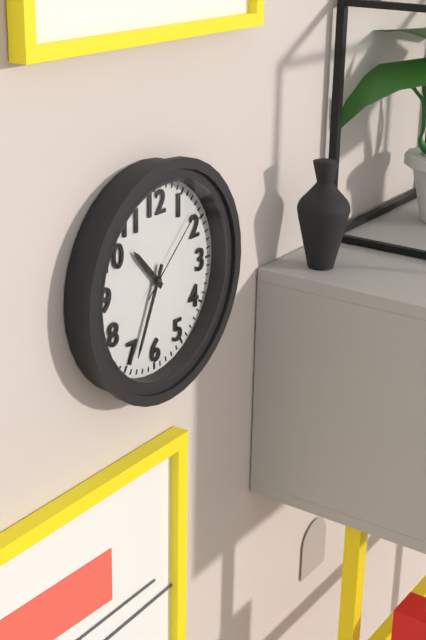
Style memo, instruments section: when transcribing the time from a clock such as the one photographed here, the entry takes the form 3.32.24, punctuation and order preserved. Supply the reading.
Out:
10.34.08
